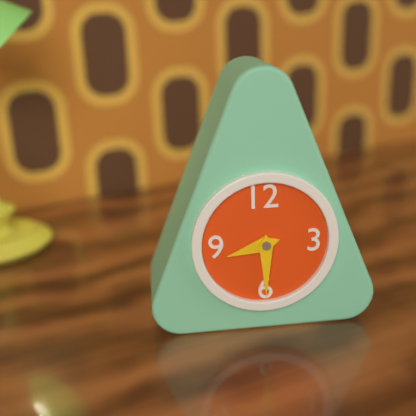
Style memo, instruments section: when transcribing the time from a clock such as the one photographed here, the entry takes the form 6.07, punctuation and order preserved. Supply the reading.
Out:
8.30
